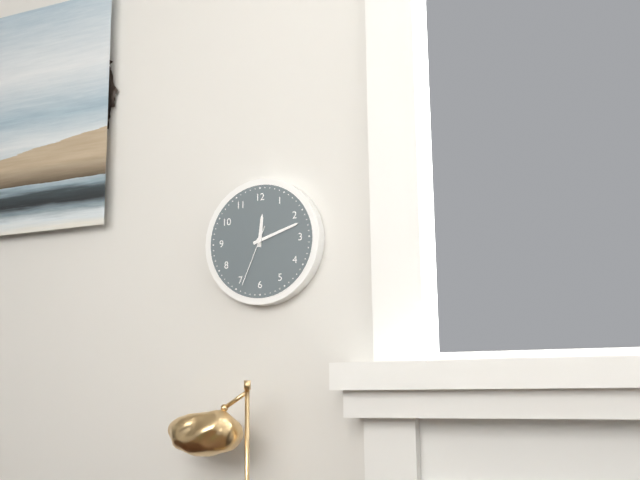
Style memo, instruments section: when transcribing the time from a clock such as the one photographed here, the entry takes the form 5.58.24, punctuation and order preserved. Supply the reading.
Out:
12.12.34
